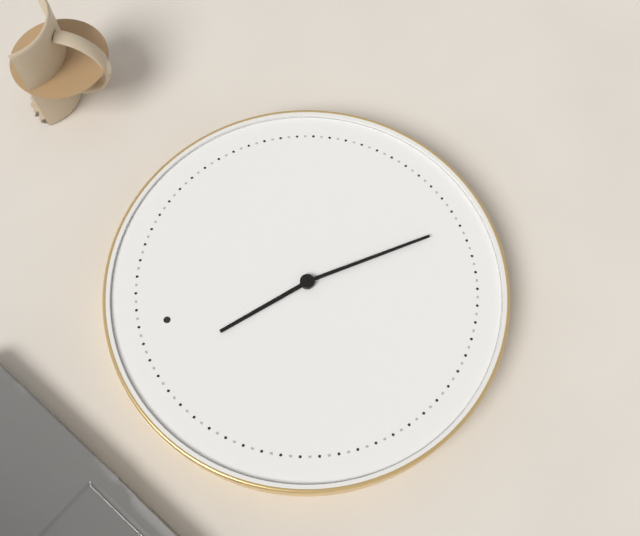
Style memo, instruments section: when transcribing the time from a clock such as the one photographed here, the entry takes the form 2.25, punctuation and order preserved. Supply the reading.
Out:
11.29
